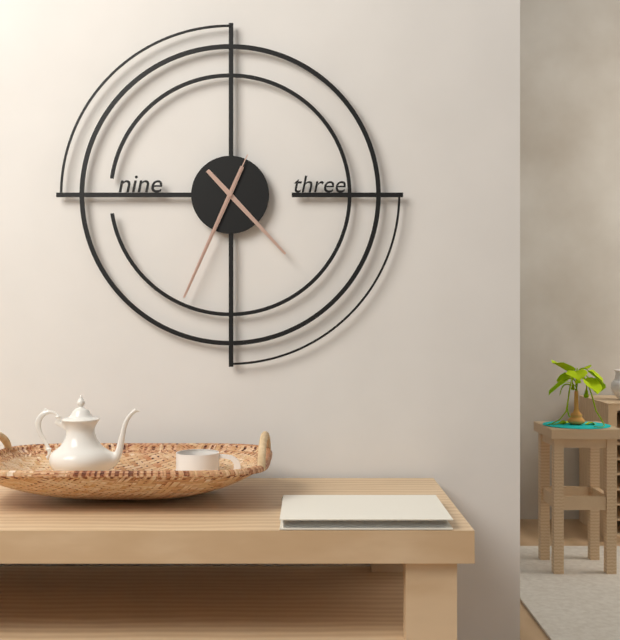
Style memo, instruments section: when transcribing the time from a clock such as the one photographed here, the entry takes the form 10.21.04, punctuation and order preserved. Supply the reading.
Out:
4.34.34
